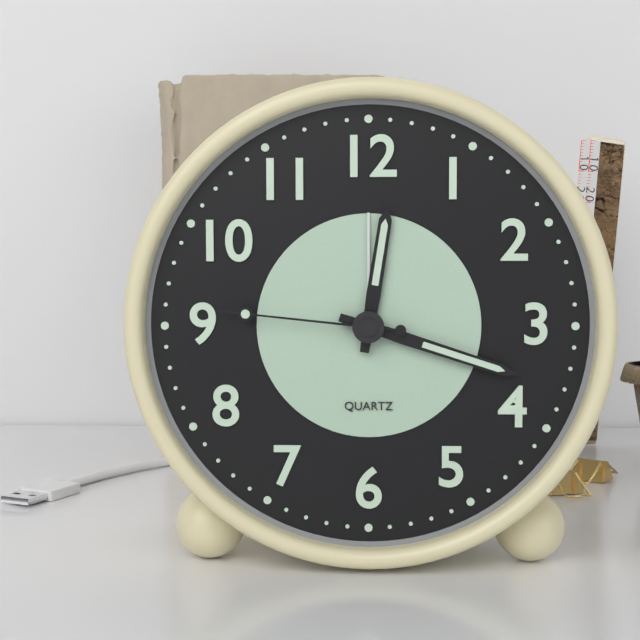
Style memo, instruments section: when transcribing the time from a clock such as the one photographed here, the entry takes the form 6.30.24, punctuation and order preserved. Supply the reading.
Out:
12.18.46
